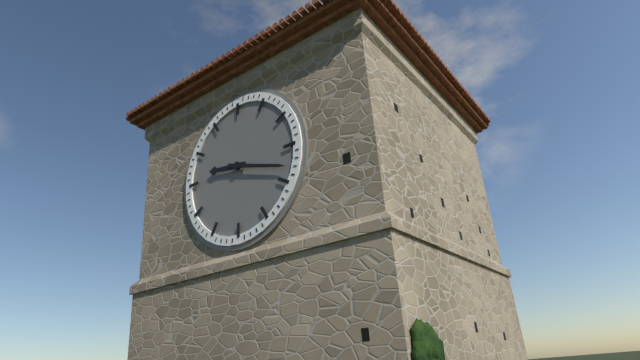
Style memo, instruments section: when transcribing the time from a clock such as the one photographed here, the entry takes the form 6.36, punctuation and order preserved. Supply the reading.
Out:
9.18
